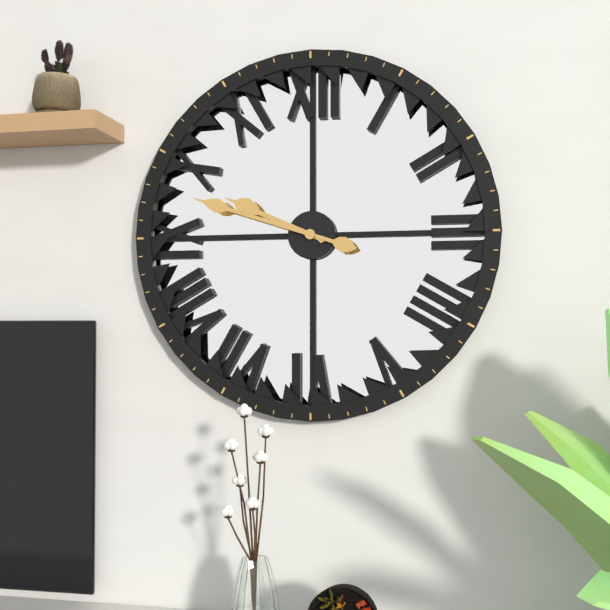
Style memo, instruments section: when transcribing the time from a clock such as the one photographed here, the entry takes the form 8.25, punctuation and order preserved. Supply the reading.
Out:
9.48
